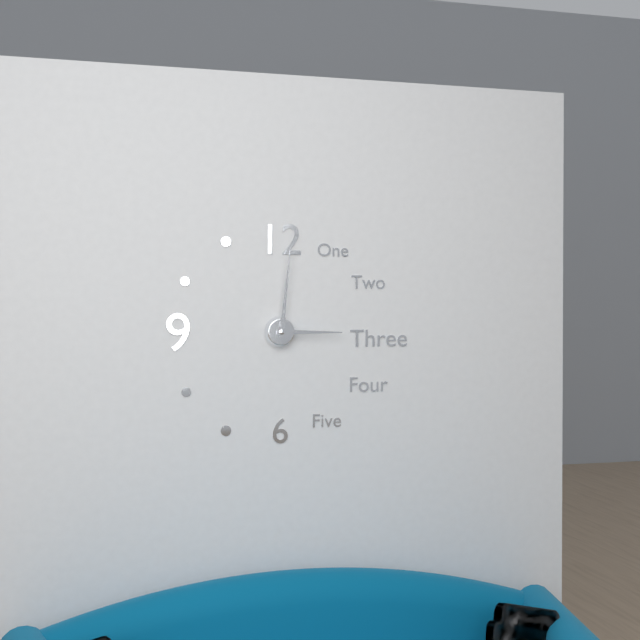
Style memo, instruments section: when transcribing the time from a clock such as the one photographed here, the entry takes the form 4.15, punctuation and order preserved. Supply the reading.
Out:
3.01
